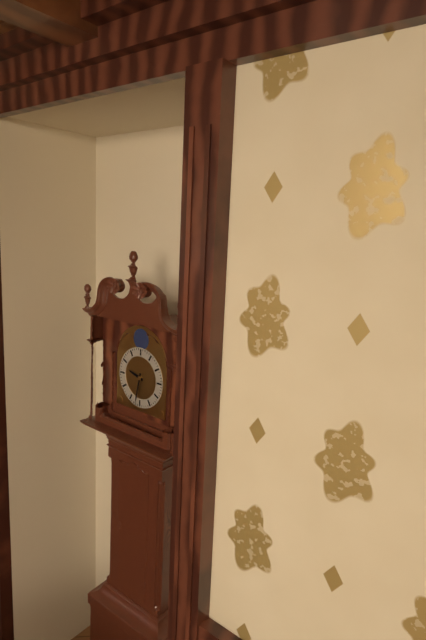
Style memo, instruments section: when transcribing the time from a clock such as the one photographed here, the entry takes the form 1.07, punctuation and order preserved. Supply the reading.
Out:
9.32
